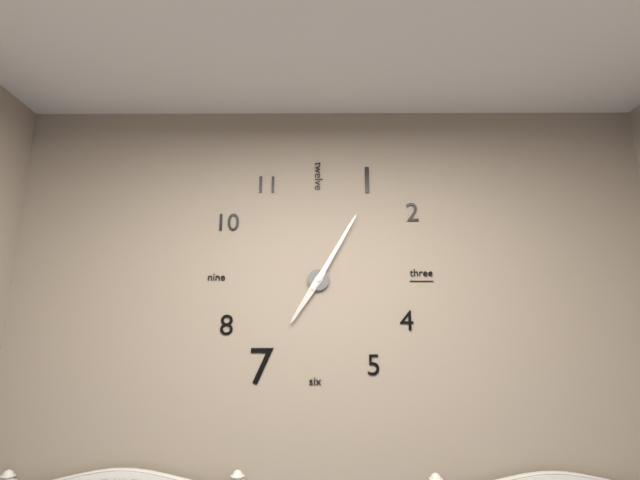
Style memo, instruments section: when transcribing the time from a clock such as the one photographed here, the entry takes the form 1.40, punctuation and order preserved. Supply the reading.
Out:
7.05
